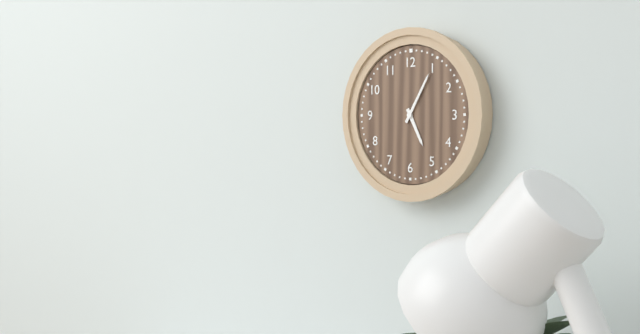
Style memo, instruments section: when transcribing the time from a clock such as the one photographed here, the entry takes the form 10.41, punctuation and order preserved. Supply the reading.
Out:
5.05
